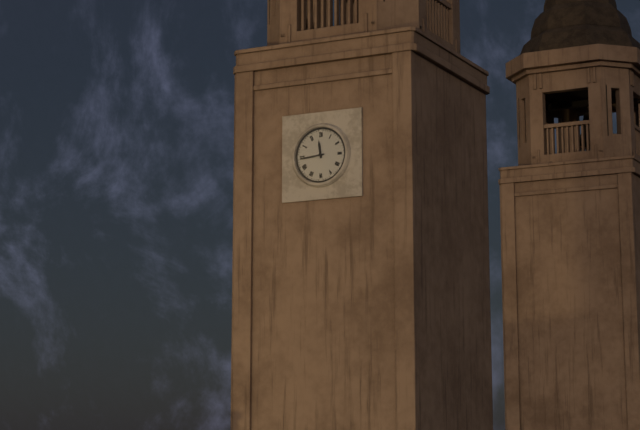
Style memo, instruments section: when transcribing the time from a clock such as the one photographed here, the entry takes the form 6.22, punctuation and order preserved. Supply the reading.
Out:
11.44
